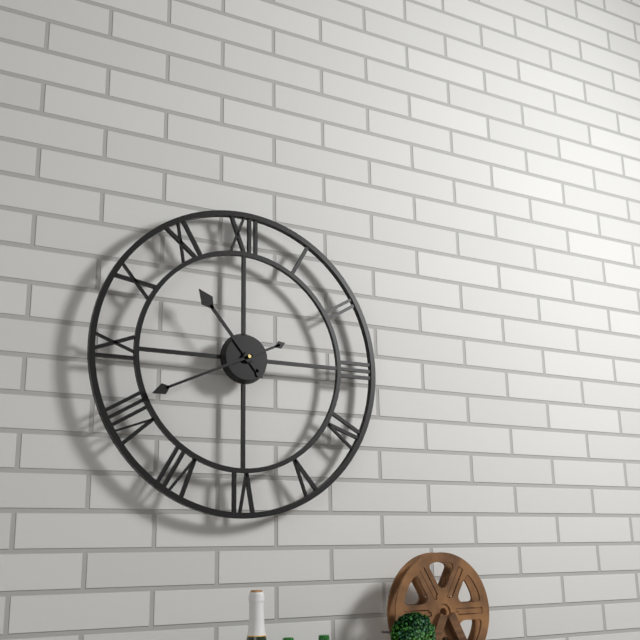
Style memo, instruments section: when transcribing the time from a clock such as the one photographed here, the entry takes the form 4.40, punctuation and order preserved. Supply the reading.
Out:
10.41
